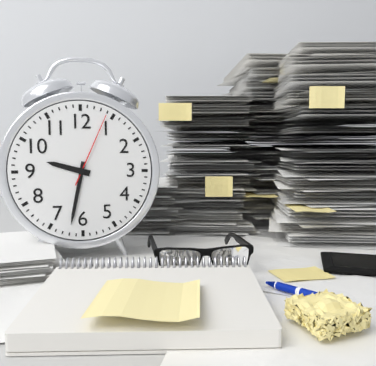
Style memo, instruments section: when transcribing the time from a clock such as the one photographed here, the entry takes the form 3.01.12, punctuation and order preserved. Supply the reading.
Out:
9.32.04
